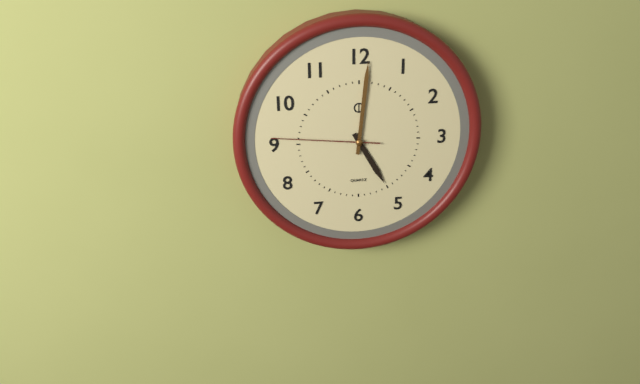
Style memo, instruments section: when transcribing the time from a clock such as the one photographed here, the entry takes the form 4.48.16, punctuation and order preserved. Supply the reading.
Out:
5.01.46
